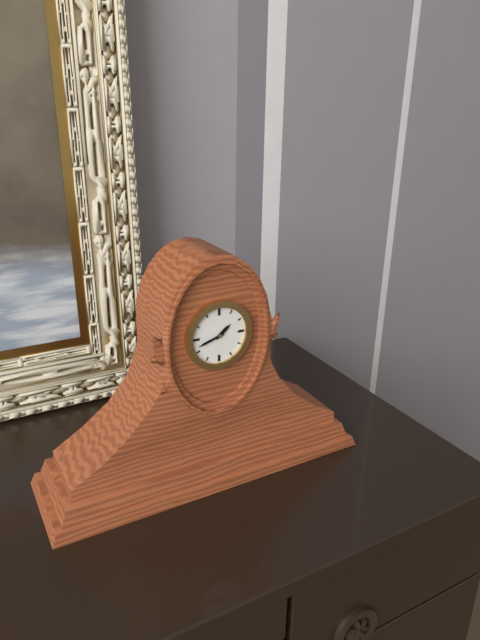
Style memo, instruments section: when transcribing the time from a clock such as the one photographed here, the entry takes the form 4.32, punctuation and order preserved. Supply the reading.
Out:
1.42
